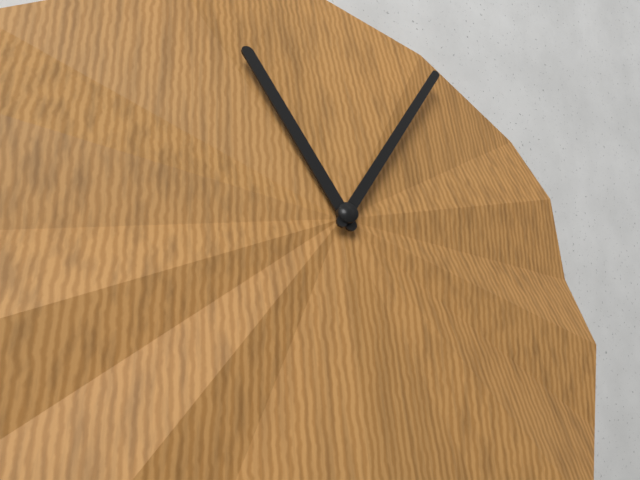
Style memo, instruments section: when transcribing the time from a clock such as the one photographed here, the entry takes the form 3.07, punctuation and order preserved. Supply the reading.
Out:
11.06
